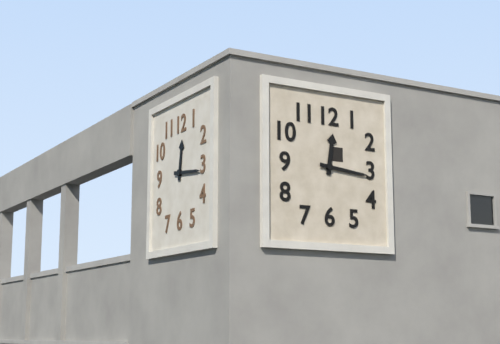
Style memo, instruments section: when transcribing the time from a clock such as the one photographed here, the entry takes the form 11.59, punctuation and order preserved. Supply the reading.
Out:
12.16
